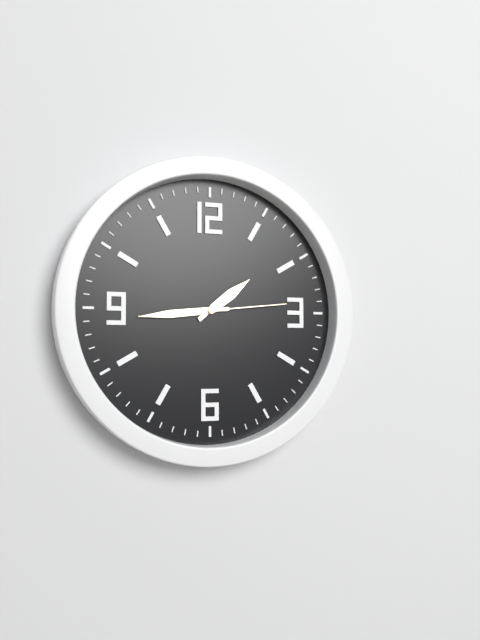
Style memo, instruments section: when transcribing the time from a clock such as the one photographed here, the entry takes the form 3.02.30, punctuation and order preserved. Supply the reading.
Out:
1.44.14
